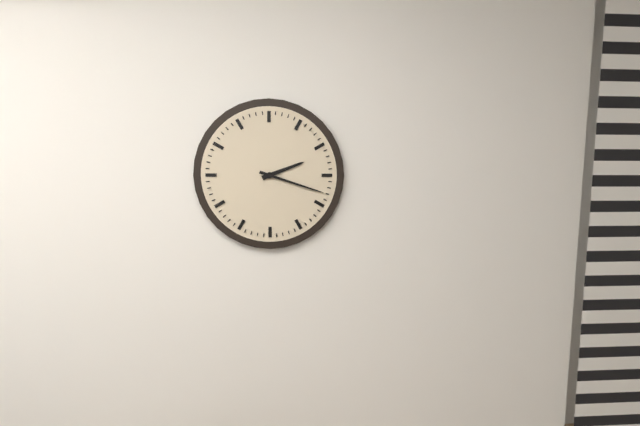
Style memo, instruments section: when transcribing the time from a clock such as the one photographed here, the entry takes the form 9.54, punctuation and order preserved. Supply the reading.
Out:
2.18
